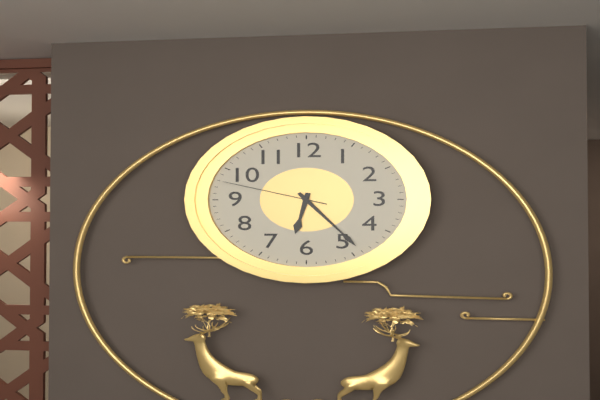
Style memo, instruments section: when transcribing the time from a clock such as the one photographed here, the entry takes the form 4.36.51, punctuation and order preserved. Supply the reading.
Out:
6.24.48
